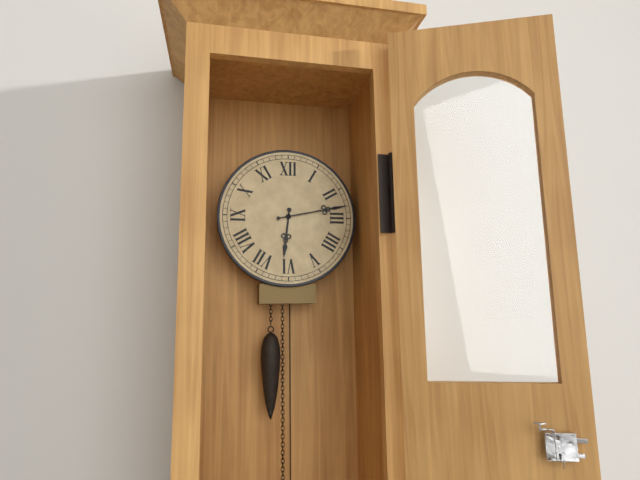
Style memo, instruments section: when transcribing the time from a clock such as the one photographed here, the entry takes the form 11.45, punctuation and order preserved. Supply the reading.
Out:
6.13
